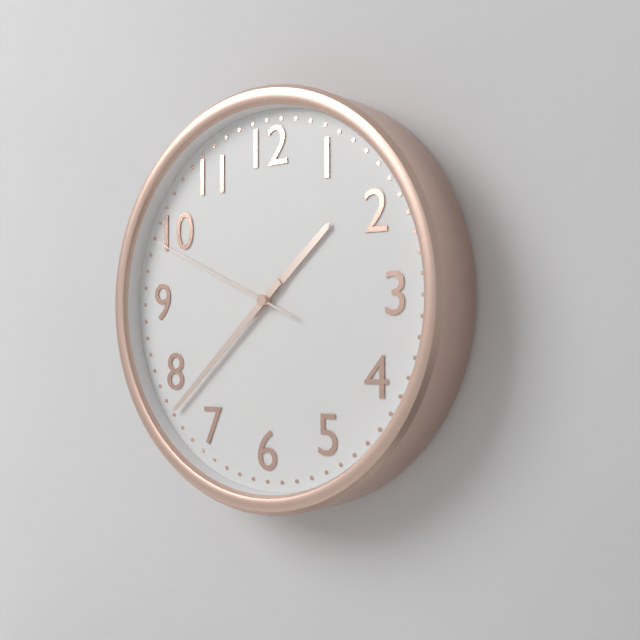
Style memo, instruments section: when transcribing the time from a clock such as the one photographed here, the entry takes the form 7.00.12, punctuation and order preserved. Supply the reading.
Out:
1.38.49
